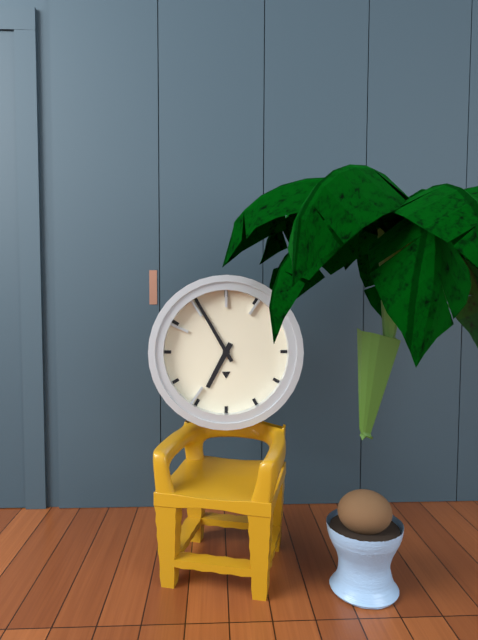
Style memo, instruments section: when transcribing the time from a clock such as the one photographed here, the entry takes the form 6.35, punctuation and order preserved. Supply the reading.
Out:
6.55
